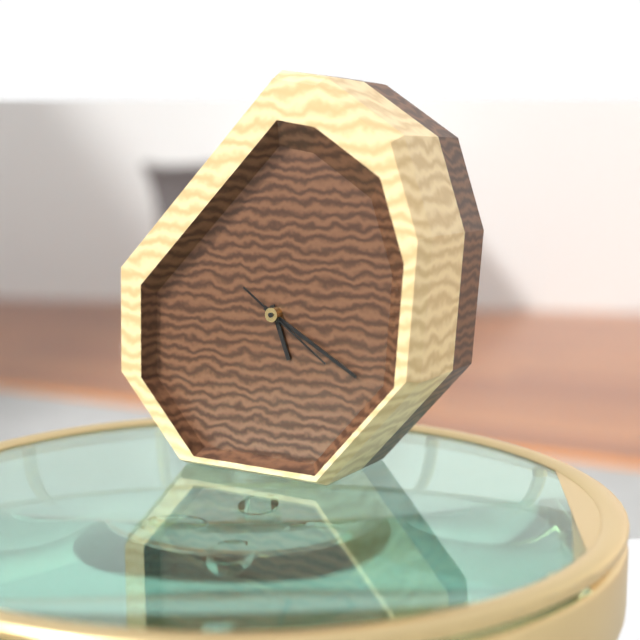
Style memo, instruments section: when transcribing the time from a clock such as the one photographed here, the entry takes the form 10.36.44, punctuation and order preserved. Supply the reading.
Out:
5.20.21
